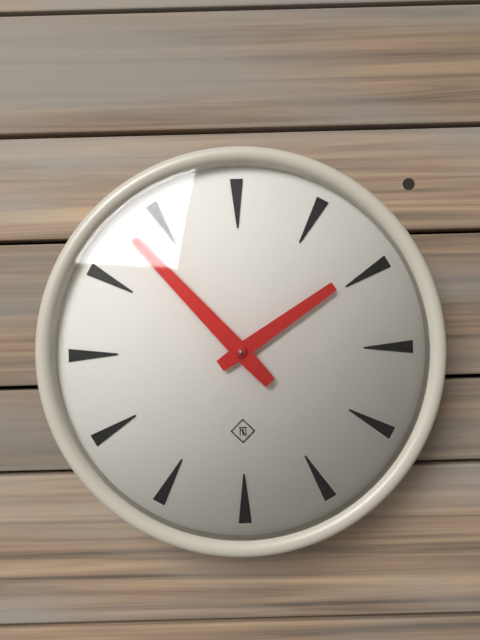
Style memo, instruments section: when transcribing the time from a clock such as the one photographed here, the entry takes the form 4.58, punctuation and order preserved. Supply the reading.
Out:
1.53
